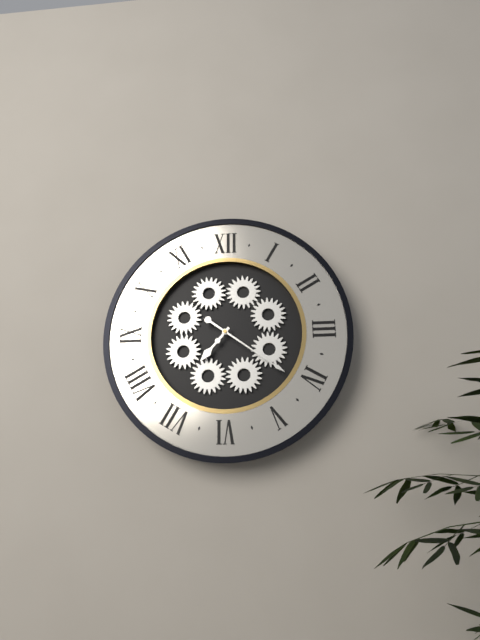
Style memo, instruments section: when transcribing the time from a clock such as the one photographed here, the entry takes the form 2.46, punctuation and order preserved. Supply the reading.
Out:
7.21
